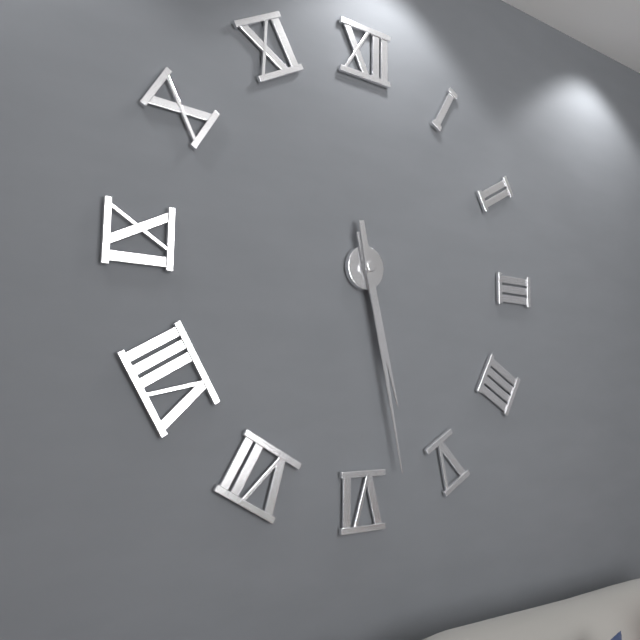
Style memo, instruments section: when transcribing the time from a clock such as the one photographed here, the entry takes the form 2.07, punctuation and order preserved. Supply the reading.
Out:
5.28
